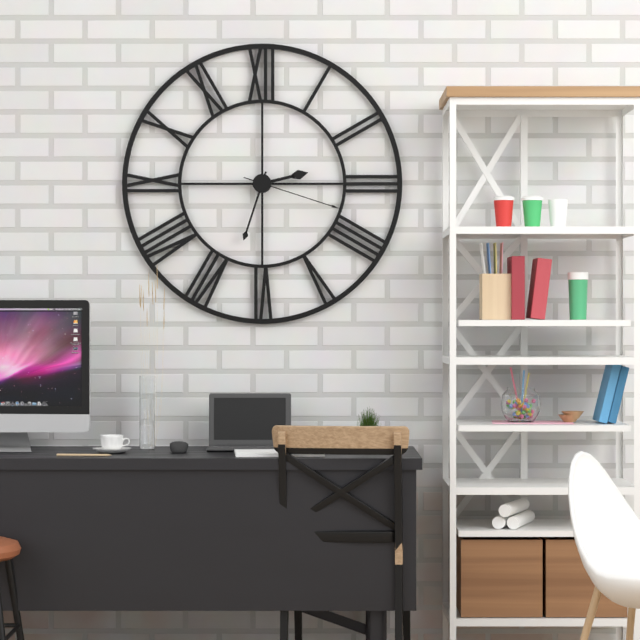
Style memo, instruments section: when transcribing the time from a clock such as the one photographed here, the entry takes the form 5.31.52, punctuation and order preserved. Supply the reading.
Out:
2.33.18
